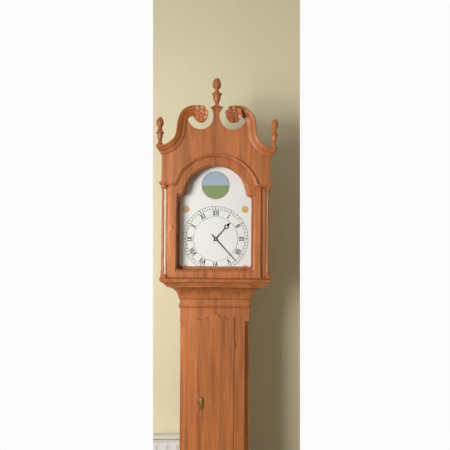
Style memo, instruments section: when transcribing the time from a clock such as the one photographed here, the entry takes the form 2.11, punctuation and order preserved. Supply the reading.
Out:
1.23
